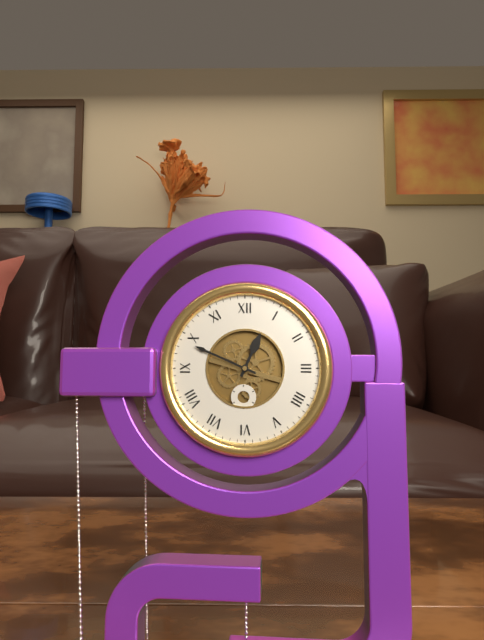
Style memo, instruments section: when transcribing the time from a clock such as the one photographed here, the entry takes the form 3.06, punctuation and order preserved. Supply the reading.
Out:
12.49
